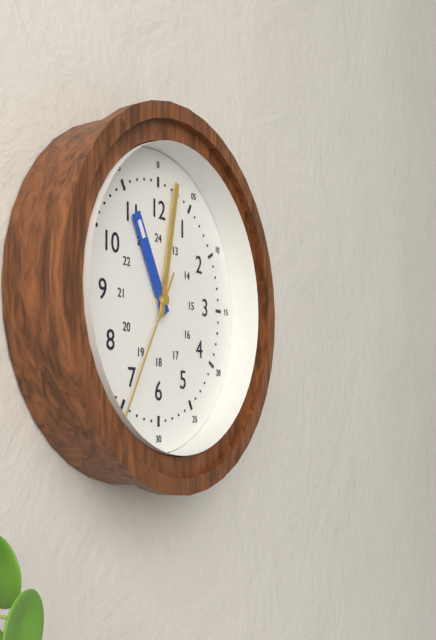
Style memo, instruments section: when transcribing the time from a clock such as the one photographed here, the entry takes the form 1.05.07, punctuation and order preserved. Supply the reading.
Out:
11.02.35
